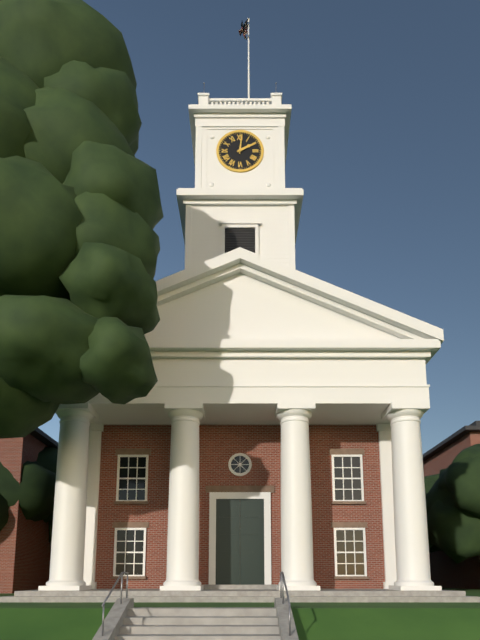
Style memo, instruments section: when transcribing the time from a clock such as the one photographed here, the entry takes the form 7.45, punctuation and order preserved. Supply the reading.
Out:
2.01
